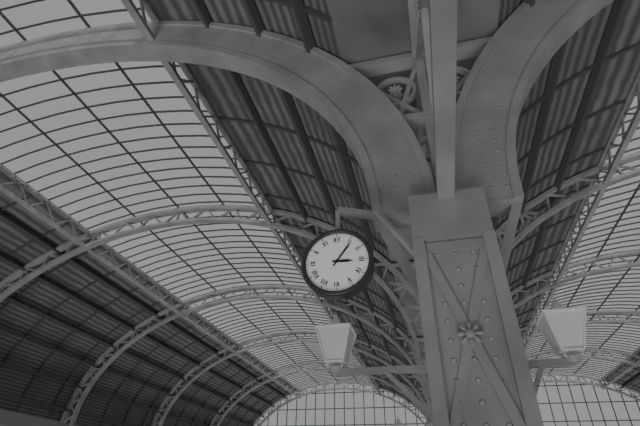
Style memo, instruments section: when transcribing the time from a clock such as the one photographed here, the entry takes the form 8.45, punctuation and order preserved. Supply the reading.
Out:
3.06
